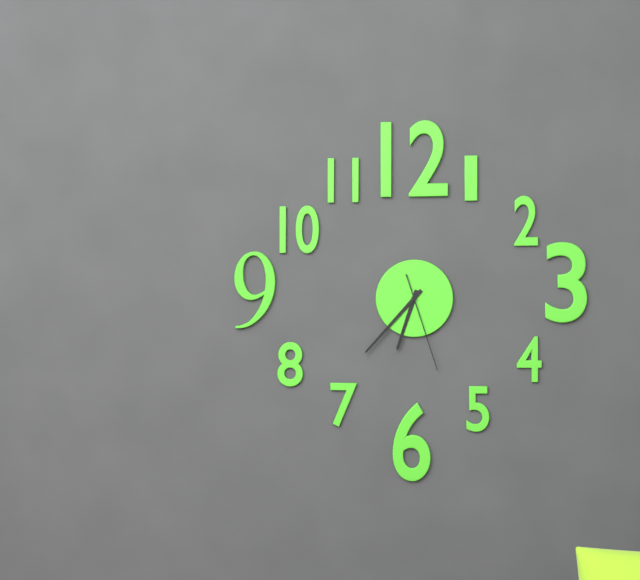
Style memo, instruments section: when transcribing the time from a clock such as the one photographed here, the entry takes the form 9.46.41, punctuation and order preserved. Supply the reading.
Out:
6.37.27
